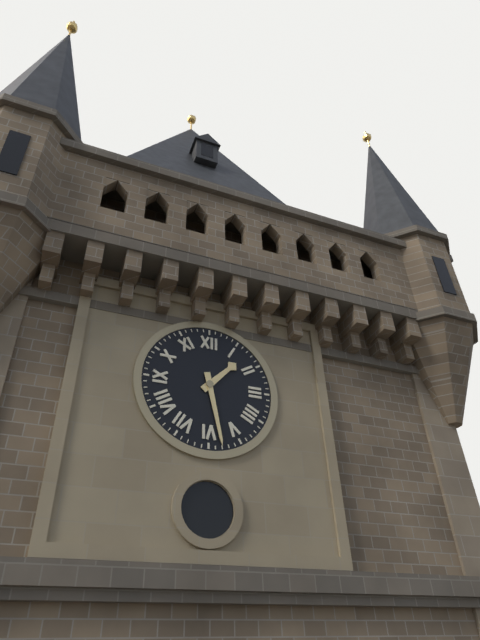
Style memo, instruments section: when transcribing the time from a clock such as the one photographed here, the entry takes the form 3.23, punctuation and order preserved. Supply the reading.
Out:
1.28
